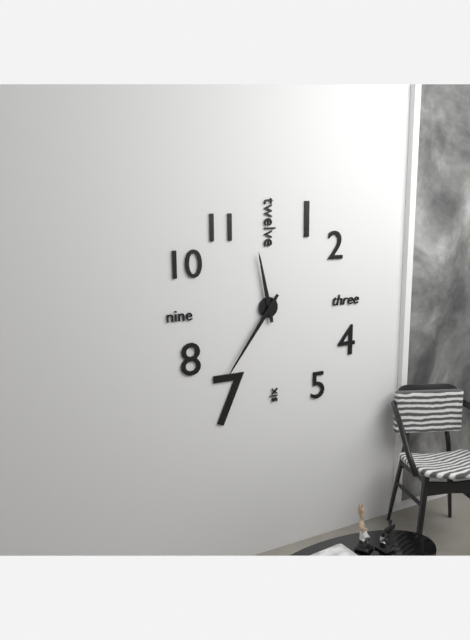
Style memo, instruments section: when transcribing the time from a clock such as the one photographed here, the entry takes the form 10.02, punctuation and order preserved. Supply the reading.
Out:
11.36
